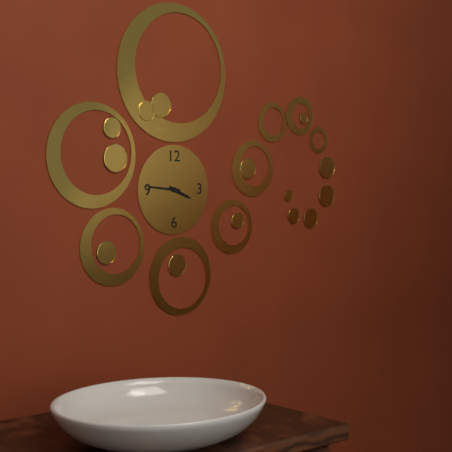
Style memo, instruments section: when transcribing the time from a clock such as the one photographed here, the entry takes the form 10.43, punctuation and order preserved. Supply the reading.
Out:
3.46
